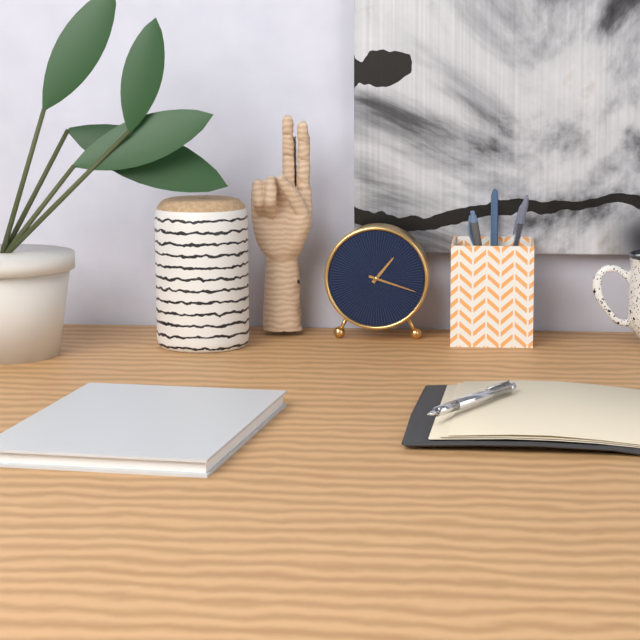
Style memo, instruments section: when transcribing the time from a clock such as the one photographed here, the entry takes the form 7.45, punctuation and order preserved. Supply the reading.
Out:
1.18
